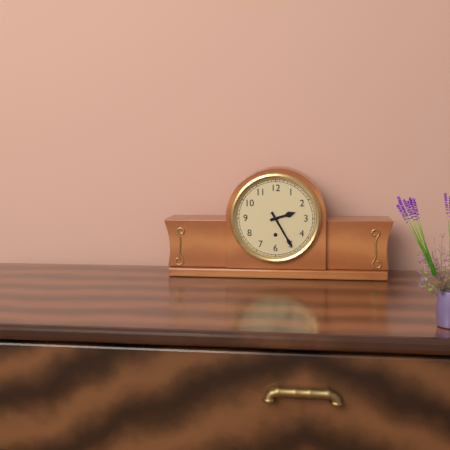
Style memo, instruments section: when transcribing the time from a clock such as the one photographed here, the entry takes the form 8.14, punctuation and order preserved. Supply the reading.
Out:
2.25
